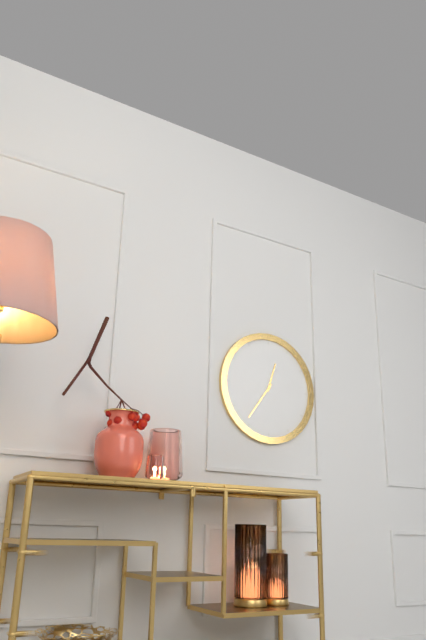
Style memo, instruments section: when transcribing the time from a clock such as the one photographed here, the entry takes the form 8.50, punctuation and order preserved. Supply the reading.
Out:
12.36
